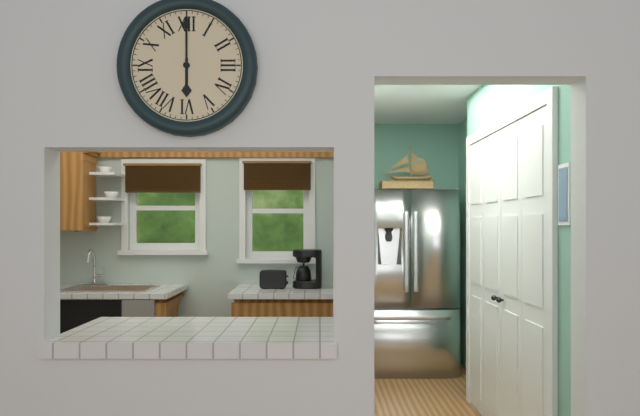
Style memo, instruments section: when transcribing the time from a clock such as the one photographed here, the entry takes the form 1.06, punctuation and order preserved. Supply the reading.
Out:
6.00
